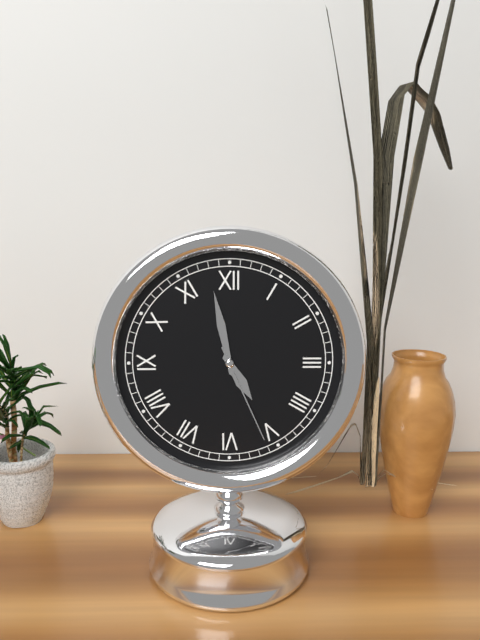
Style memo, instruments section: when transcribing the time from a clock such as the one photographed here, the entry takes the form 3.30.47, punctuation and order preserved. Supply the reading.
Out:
4.58.26
